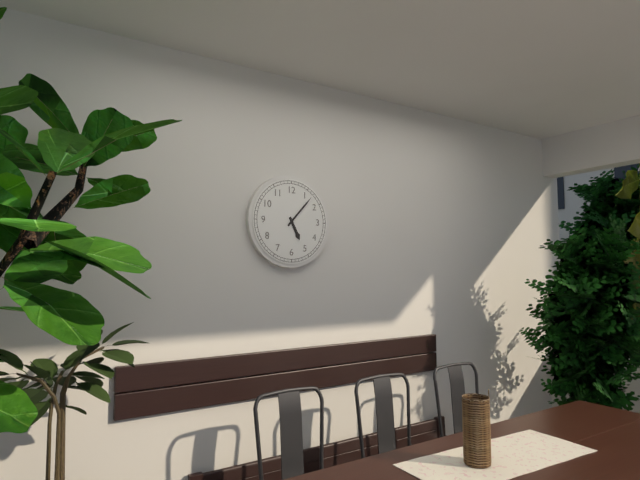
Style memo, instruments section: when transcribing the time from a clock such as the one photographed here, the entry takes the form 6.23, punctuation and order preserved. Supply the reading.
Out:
5.07
